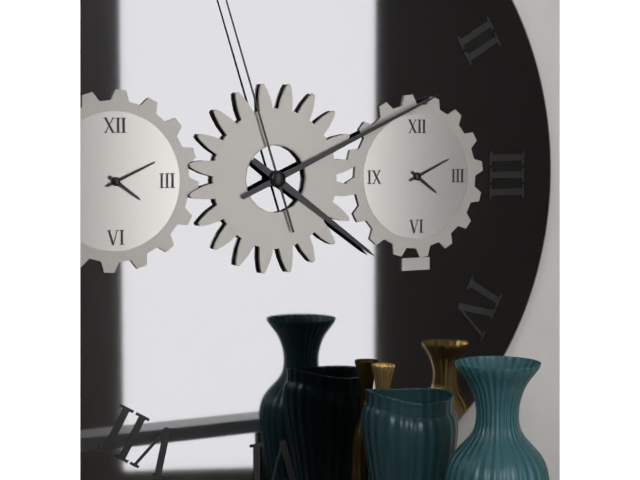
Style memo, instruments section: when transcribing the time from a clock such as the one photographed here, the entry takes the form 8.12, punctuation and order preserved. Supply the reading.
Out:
4.11
